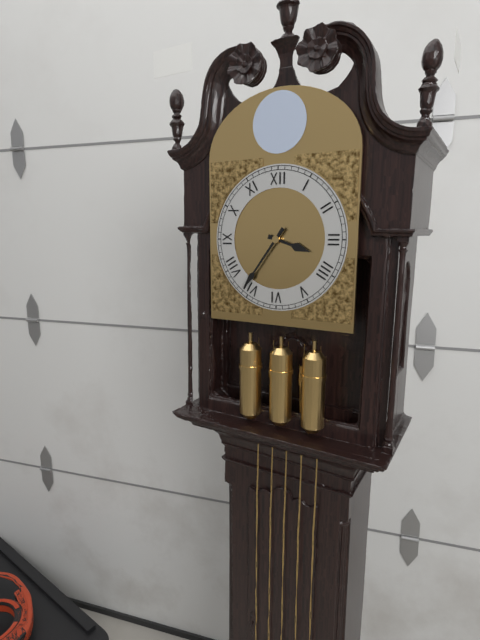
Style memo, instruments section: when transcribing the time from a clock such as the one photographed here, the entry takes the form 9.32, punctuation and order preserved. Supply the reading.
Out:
3.36
